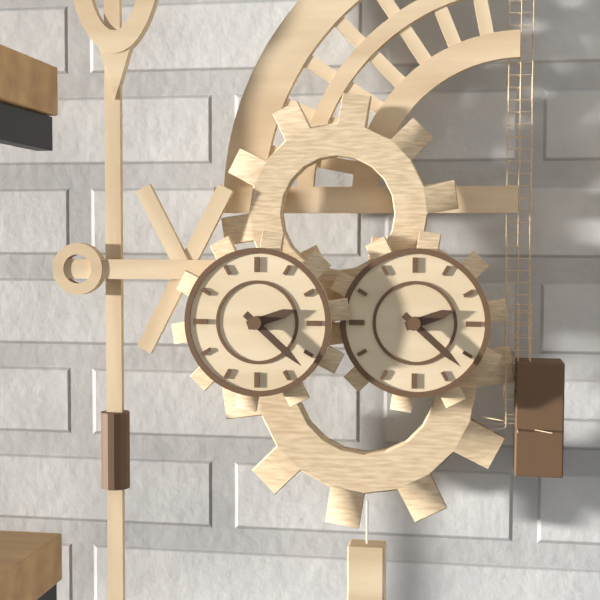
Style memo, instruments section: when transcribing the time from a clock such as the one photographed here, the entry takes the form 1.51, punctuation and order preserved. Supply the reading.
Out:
2.22
